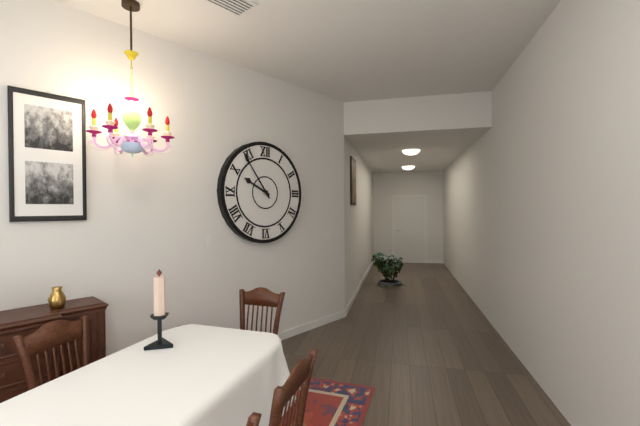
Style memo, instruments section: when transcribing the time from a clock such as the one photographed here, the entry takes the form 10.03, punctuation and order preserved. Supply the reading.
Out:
9.54
